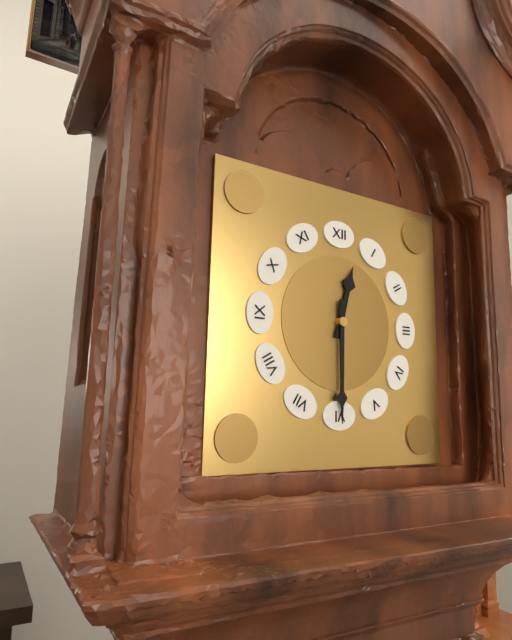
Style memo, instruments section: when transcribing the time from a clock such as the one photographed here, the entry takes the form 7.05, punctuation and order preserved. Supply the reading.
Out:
12.30
